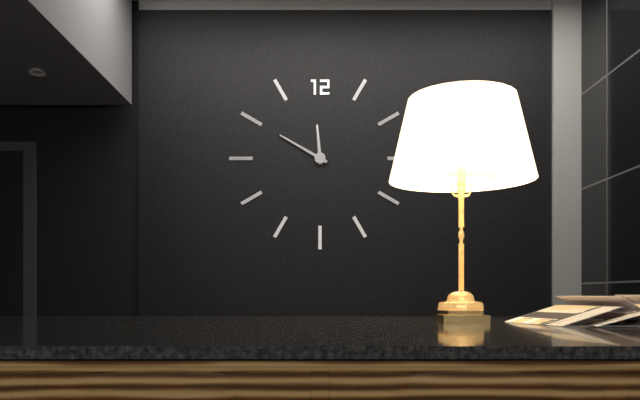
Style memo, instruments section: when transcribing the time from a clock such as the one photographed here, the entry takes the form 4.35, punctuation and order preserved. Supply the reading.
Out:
11.50
